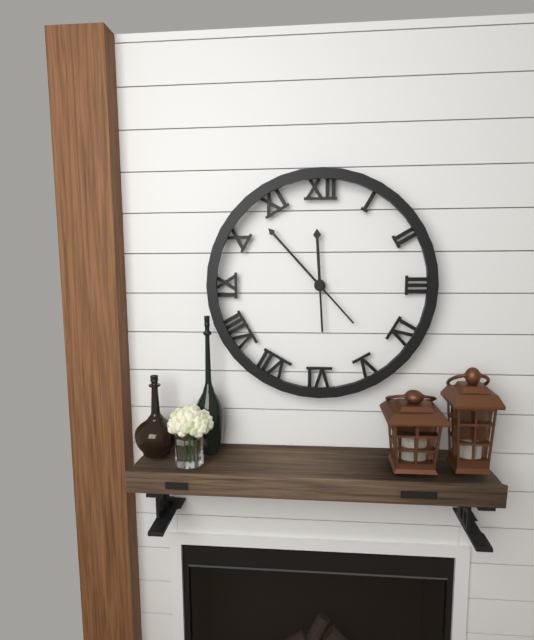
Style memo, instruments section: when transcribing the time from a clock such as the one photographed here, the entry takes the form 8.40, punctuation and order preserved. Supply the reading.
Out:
11.53
